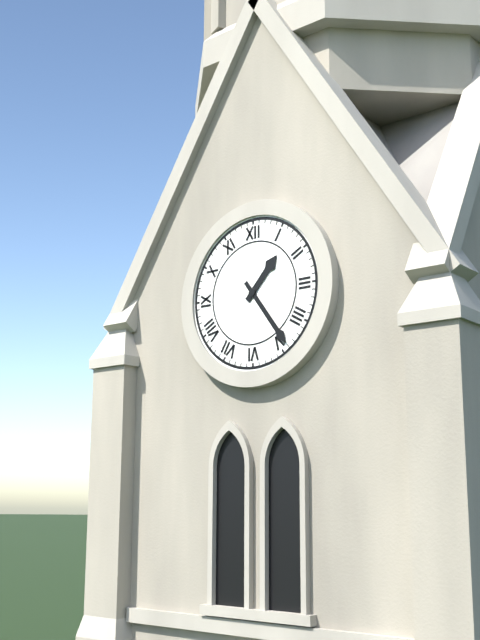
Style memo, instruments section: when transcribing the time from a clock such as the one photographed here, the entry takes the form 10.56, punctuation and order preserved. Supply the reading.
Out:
1.24
